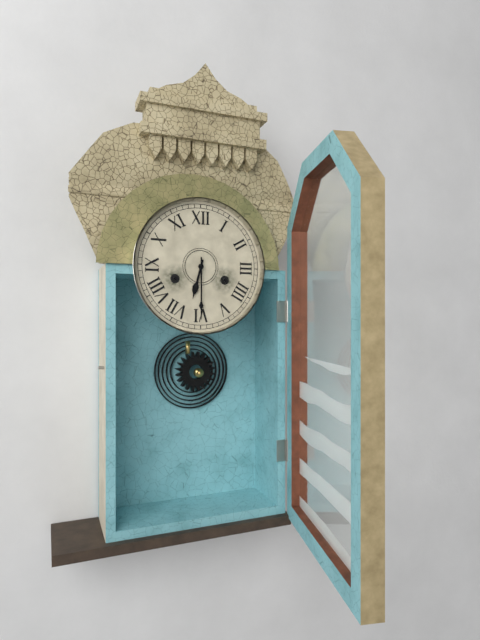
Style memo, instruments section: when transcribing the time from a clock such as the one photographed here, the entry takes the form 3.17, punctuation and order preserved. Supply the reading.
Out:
6.30
